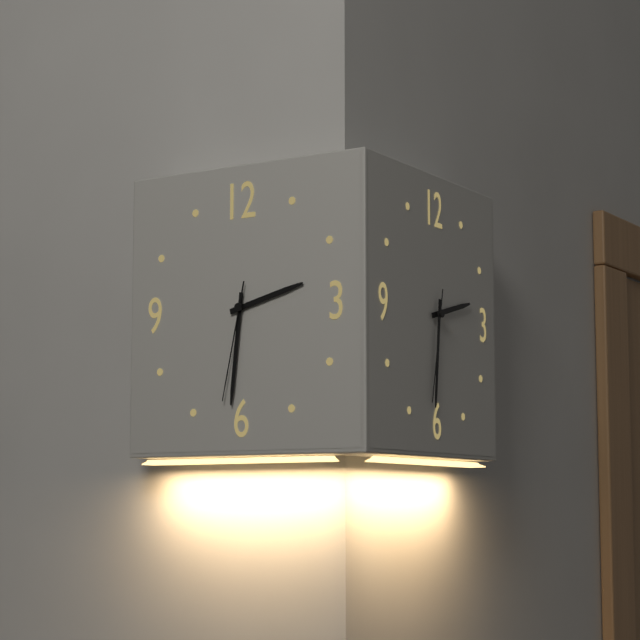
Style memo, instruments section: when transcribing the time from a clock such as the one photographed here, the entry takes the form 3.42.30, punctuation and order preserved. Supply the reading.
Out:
2.31.32
